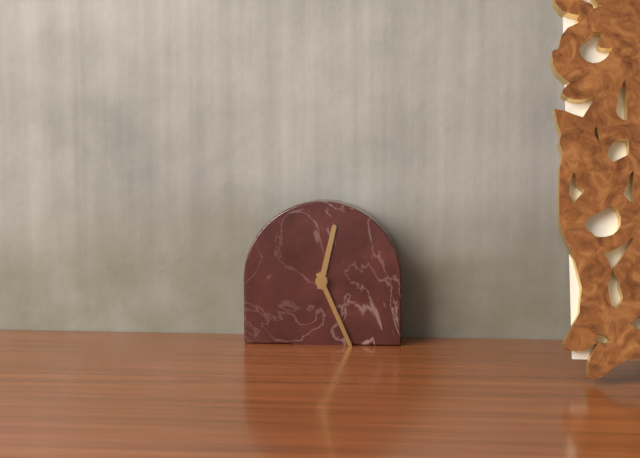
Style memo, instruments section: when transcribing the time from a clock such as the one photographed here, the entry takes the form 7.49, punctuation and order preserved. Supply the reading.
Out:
12.26
